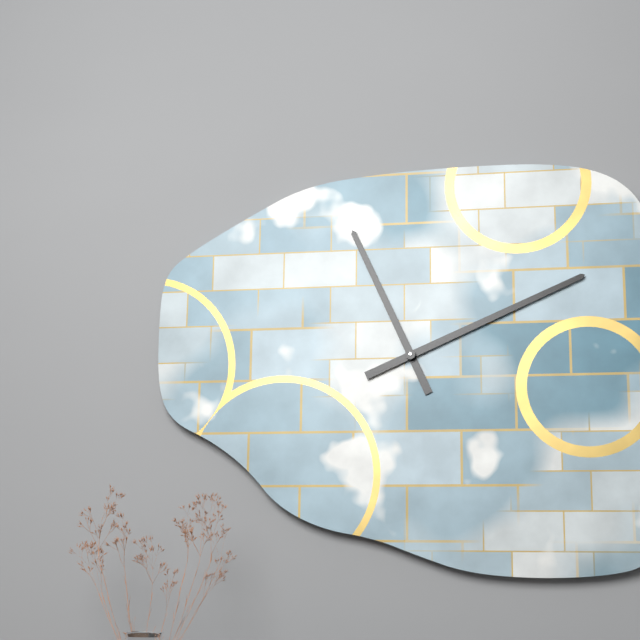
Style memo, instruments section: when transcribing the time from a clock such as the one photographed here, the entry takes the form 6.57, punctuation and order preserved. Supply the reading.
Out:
11.11
